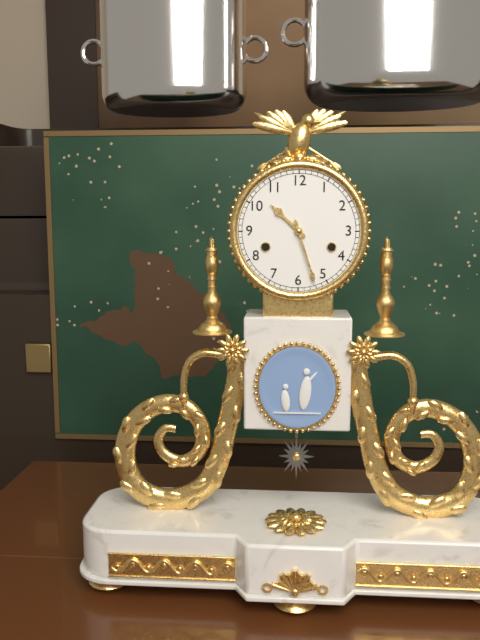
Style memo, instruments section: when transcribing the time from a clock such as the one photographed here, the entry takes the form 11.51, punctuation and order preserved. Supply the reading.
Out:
10.27
